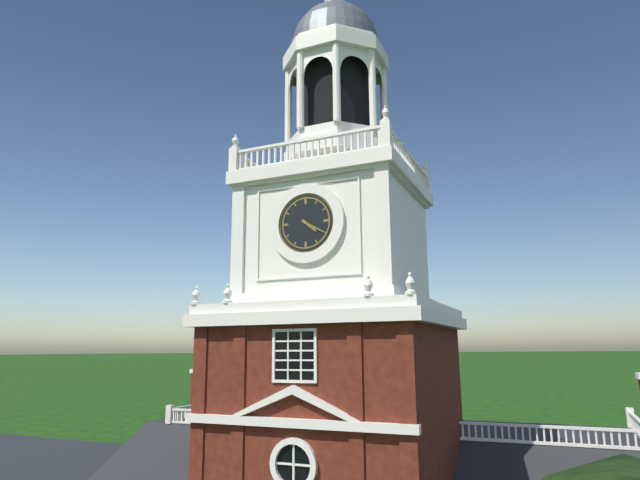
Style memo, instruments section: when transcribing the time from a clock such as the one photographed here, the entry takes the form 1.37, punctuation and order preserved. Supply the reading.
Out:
4.20
